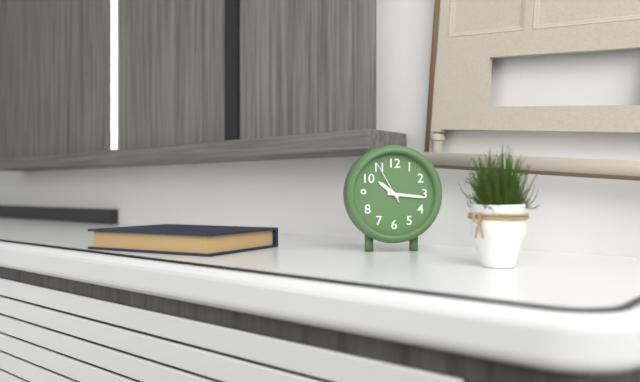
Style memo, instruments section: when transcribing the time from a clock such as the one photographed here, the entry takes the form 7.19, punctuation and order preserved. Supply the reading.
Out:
10.16
